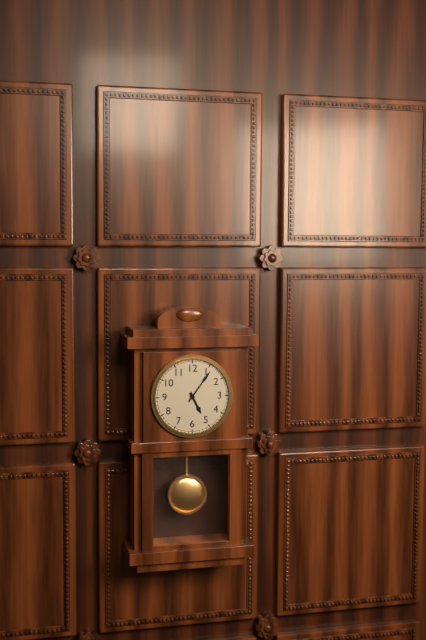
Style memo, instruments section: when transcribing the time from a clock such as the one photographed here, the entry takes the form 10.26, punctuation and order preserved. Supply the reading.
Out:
5.06
